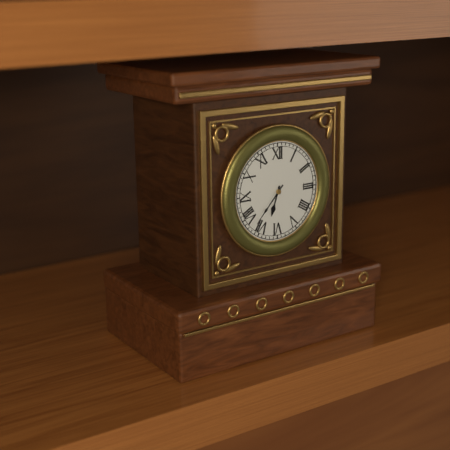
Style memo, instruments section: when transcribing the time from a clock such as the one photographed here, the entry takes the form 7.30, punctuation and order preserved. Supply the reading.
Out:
6.37
